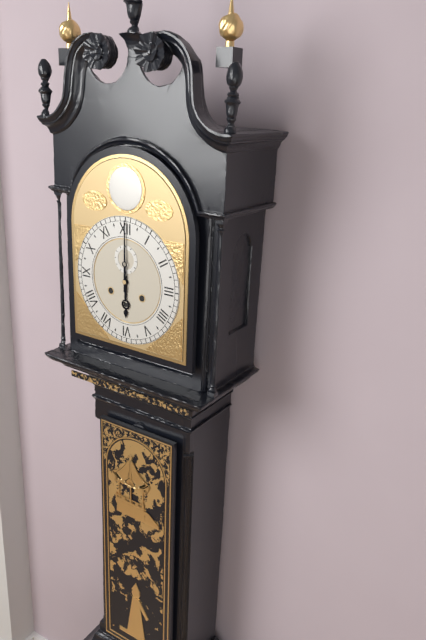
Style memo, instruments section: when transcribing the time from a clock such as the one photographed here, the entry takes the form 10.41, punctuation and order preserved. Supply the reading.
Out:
6.00
